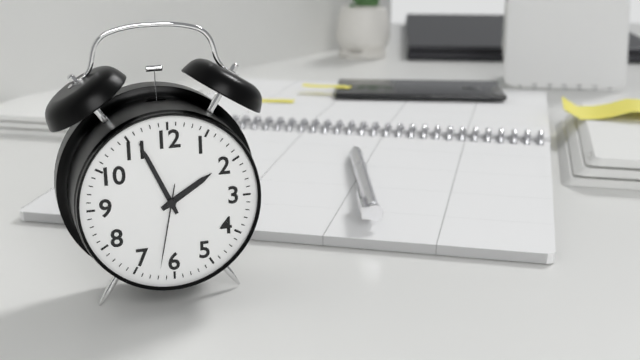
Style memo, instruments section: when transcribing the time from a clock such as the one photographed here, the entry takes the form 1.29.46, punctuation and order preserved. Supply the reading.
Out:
1.56.32
